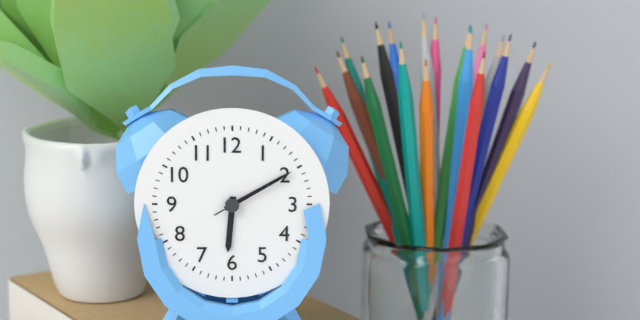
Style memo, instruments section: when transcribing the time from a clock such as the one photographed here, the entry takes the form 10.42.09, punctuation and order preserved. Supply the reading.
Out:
6.10.10
